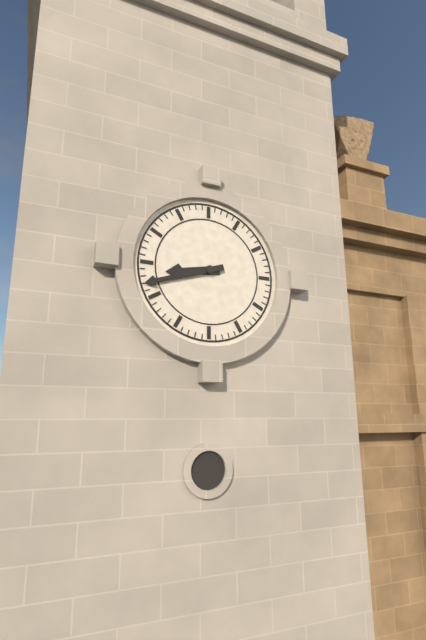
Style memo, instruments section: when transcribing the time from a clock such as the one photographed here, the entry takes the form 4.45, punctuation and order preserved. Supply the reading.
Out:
8.42
